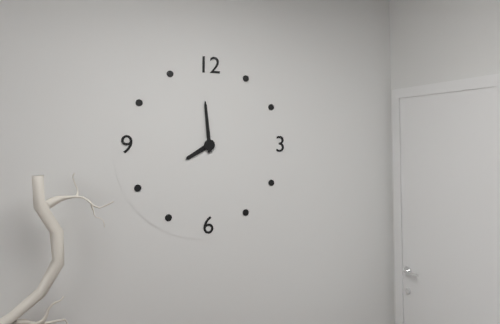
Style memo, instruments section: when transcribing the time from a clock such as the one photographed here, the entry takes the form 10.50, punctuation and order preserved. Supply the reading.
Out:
7.59
